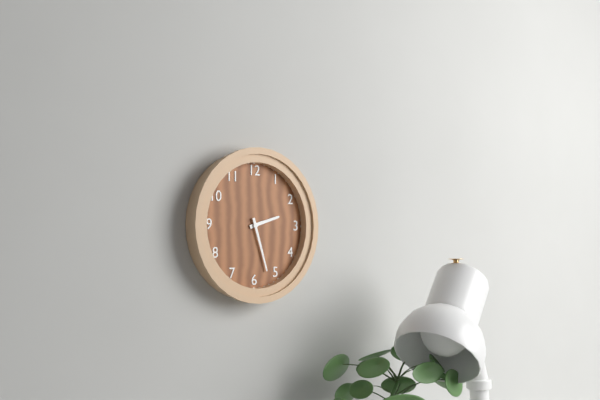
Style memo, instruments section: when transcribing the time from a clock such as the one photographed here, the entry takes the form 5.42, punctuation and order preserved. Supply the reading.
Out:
2.27
